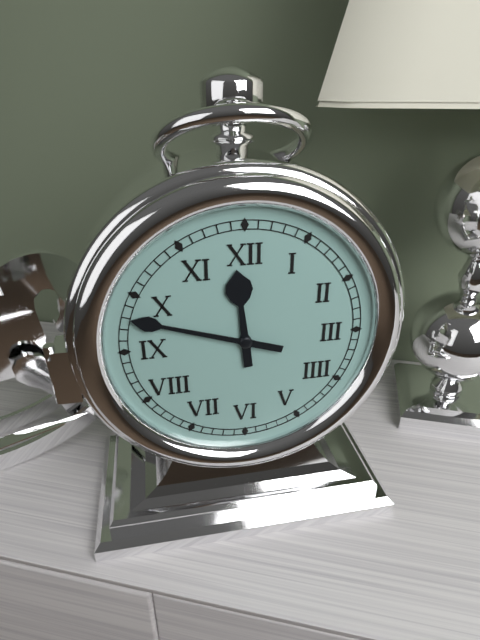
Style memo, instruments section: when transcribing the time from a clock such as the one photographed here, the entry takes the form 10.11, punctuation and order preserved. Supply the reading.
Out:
11.48
